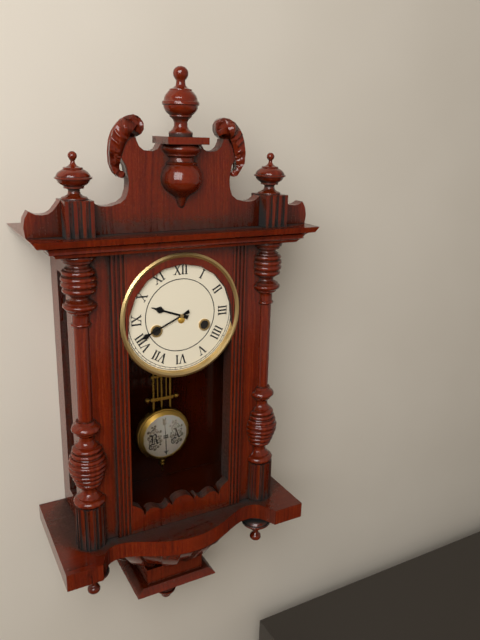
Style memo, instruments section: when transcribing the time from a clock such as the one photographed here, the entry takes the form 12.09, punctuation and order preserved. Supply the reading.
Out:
9.41
